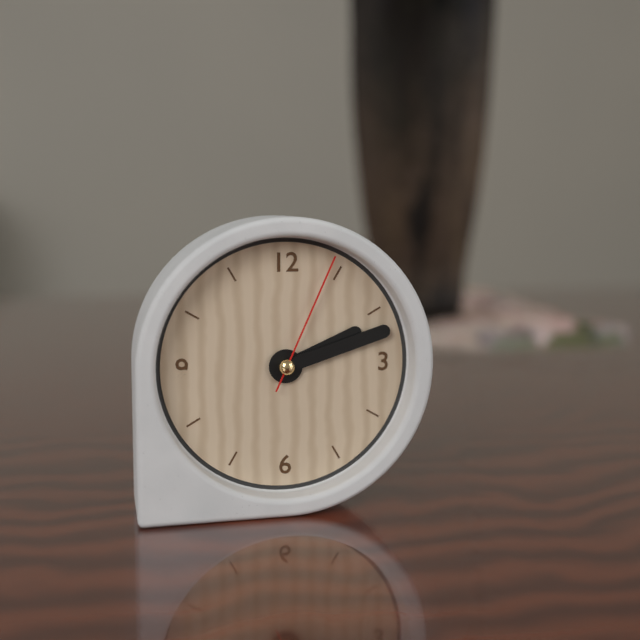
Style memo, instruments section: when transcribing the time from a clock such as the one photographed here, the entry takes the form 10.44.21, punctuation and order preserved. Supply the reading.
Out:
2.12.04
